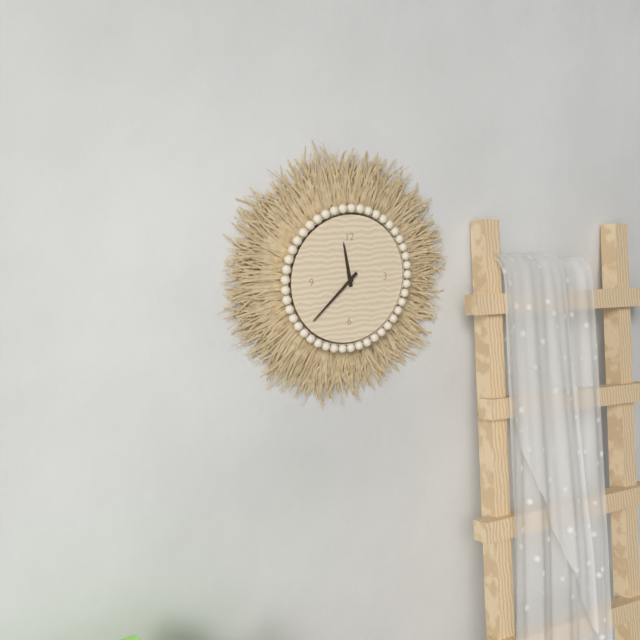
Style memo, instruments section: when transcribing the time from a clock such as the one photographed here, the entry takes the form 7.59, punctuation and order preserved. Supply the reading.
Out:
11.38
